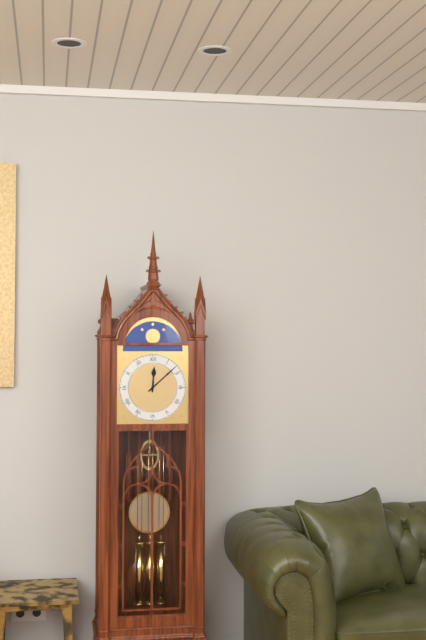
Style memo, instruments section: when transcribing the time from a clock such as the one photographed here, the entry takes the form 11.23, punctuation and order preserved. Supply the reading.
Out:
12.08
